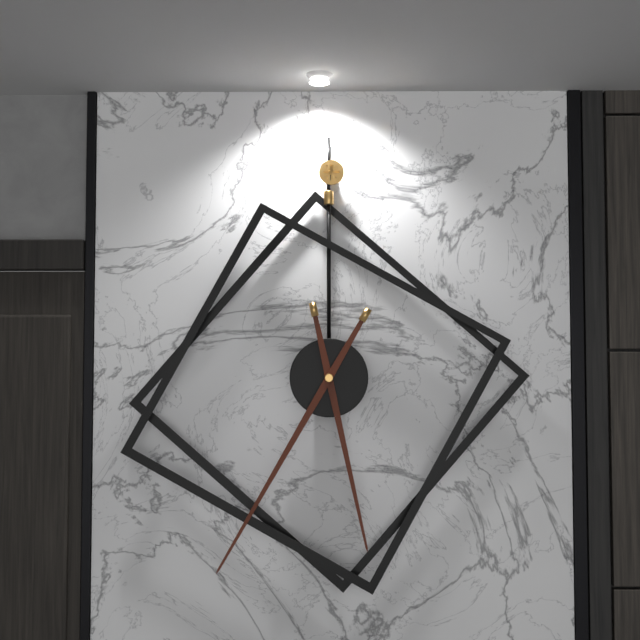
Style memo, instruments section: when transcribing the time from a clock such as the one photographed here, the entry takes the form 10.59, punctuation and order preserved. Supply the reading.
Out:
5.35
